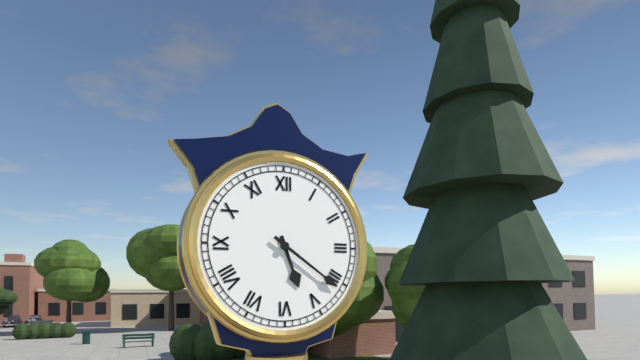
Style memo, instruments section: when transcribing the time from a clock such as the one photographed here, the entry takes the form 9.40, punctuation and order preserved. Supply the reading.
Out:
5.21
